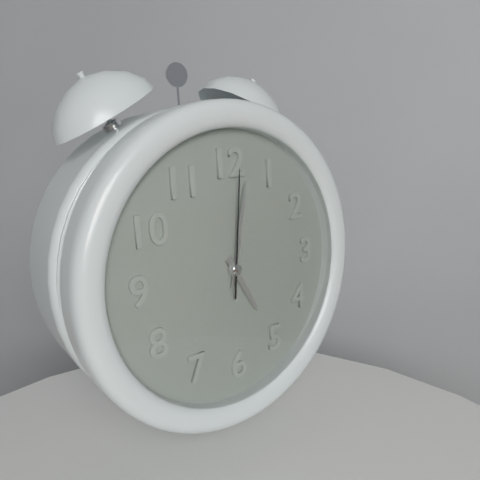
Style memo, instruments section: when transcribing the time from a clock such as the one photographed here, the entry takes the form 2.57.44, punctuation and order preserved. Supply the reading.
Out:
5.02.01
